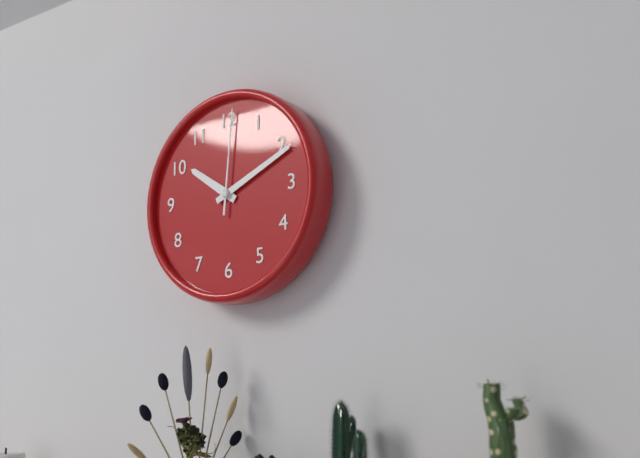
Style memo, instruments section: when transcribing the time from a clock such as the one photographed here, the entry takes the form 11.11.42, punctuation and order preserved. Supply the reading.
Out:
10.11.01
